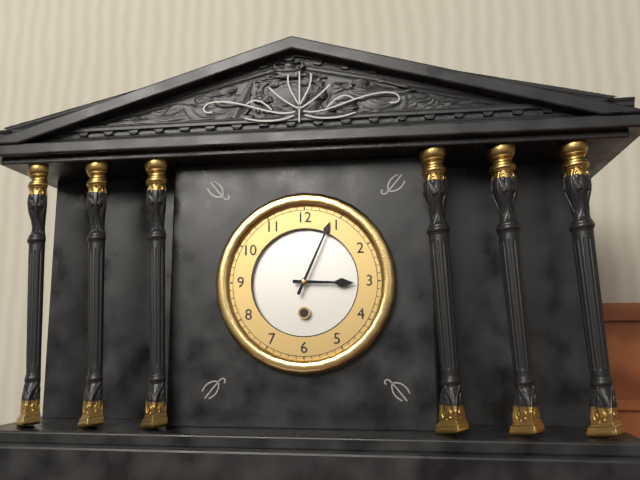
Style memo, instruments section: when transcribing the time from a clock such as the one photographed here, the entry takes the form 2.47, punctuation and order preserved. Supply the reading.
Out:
3.04
